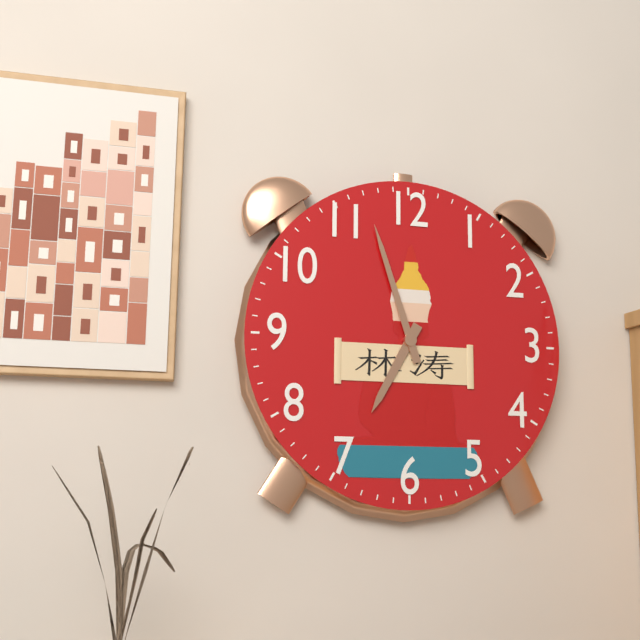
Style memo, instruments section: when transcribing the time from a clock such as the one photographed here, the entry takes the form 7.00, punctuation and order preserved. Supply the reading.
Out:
6.57
